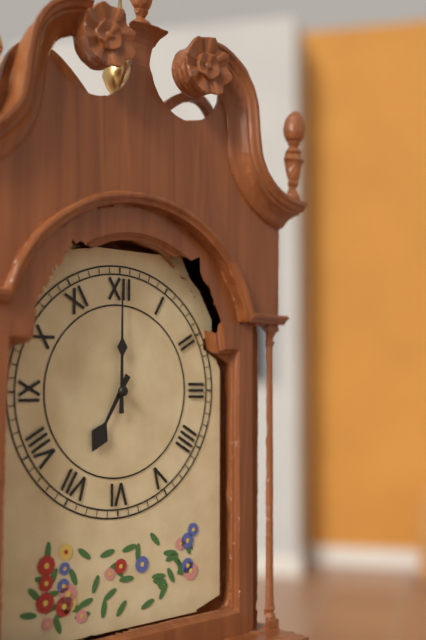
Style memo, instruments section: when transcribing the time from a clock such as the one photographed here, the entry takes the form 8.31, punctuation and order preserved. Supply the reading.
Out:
7.00
